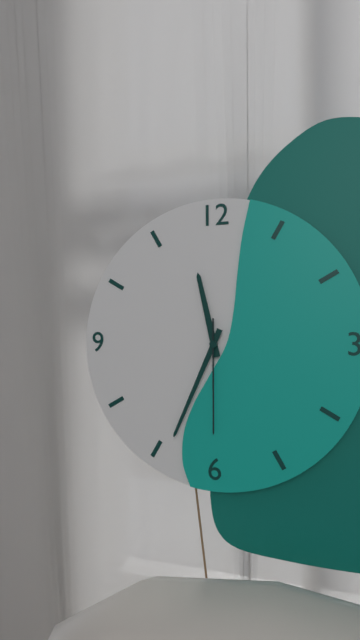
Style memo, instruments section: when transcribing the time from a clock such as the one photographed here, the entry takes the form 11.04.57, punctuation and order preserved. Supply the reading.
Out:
11.34.30
